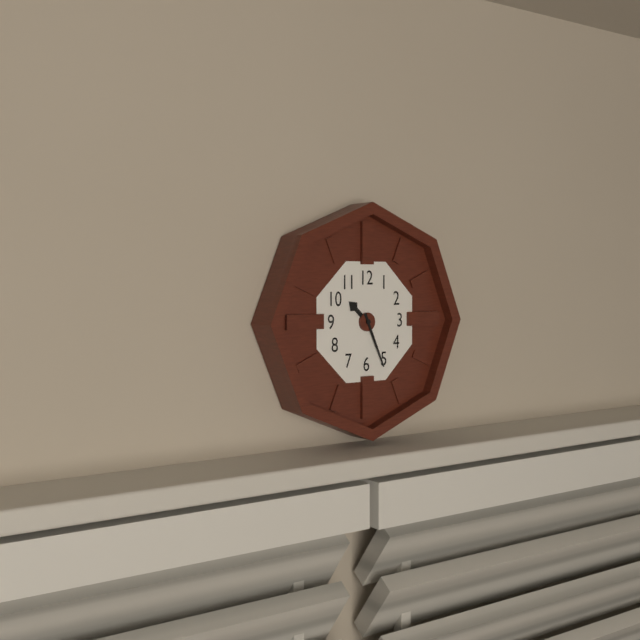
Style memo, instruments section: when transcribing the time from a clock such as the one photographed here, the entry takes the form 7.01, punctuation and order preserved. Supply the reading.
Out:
10.26
